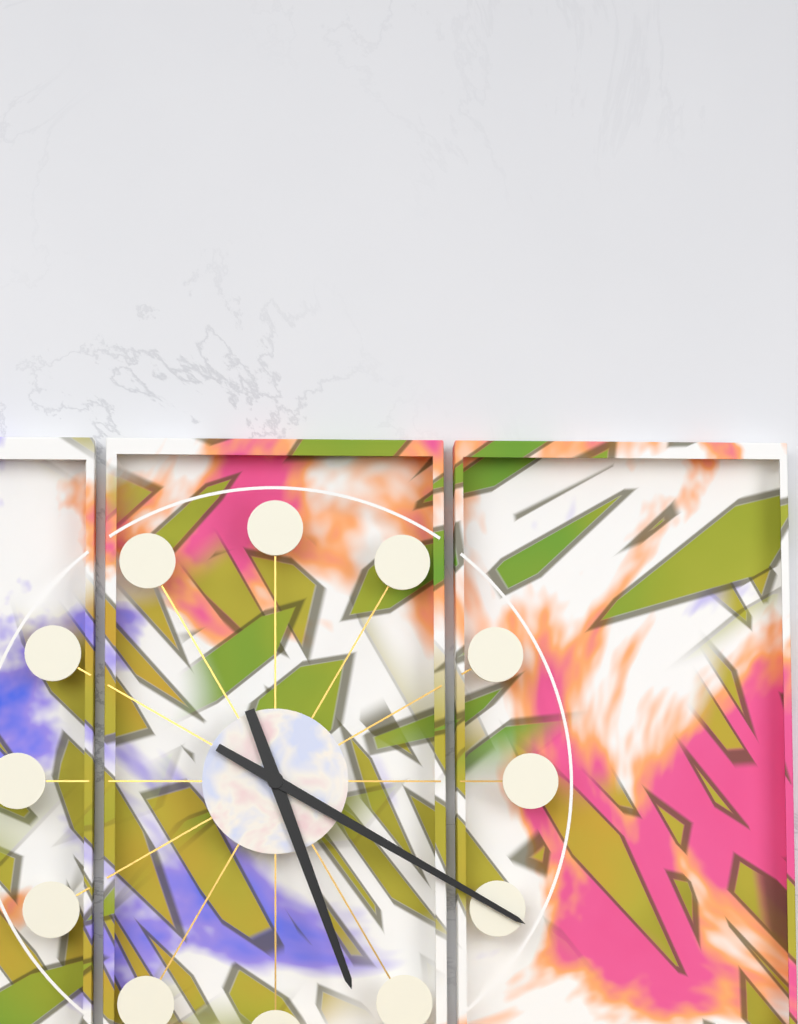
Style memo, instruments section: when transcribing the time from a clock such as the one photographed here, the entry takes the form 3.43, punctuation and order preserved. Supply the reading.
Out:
5.20
